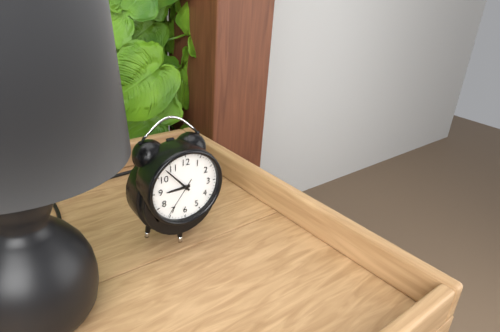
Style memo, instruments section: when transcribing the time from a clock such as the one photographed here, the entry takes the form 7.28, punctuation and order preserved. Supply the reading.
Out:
8.53
